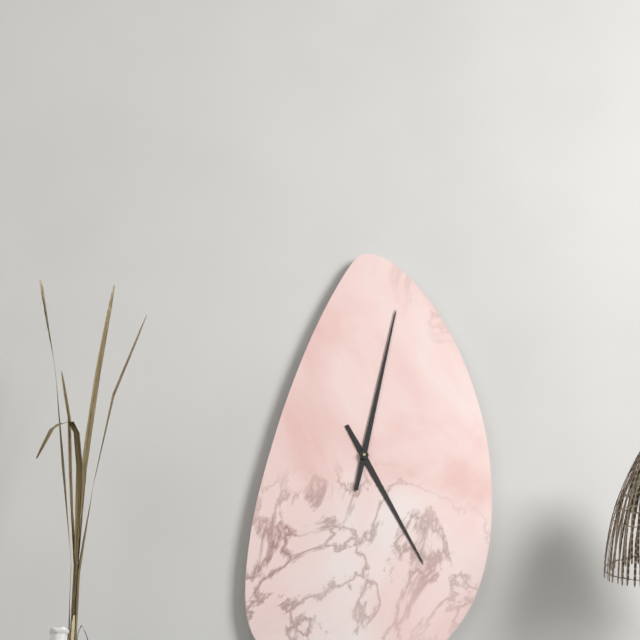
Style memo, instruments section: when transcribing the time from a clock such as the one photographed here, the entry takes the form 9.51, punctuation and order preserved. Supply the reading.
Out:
5.02
